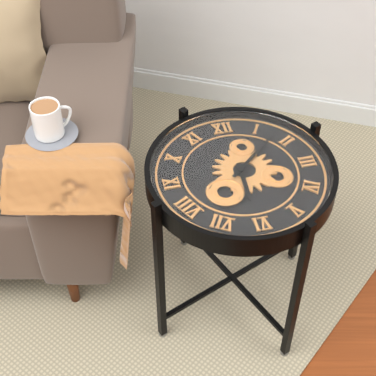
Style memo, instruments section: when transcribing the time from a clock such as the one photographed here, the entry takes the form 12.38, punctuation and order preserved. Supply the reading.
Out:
6.08
